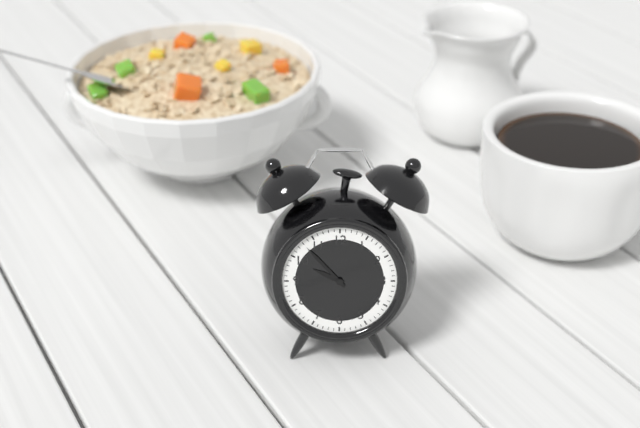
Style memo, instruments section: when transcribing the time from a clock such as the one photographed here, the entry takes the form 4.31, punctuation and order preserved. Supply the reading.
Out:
9.53
